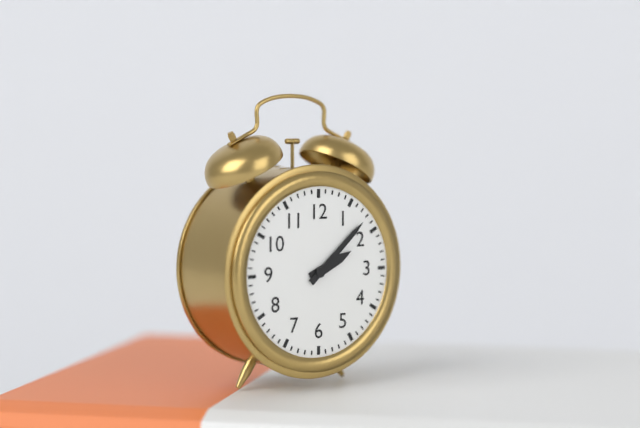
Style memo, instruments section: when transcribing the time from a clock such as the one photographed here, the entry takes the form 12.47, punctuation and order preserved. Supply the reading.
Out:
2.08
